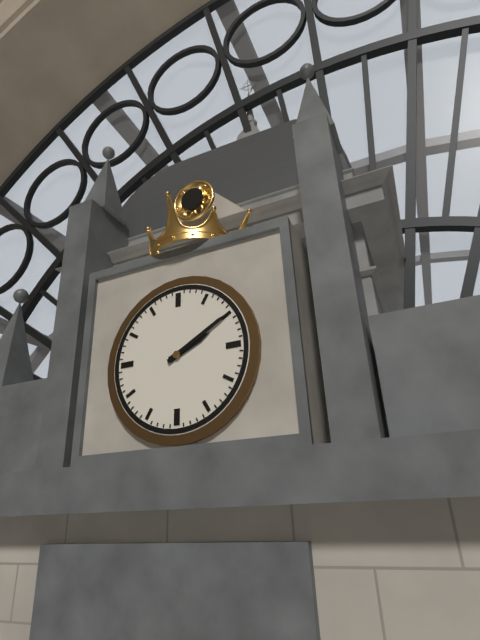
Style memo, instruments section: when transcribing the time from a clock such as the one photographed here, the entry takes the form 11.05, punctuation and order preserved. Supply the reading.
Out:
2.10
